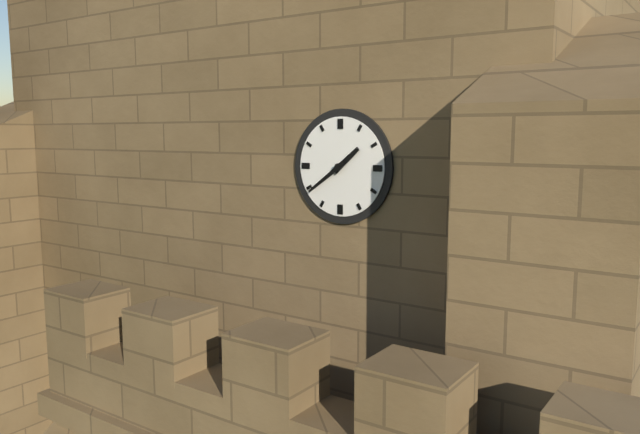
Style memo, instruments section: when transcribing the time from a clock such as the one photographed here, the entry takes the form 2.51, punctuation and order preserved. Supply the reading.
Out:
1.39
